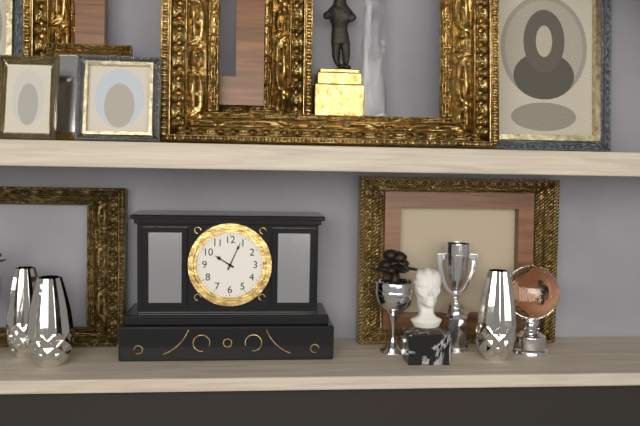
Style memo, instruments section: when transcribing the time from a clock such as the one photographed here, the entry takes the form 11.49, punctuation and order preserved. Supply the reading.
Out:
10.04
